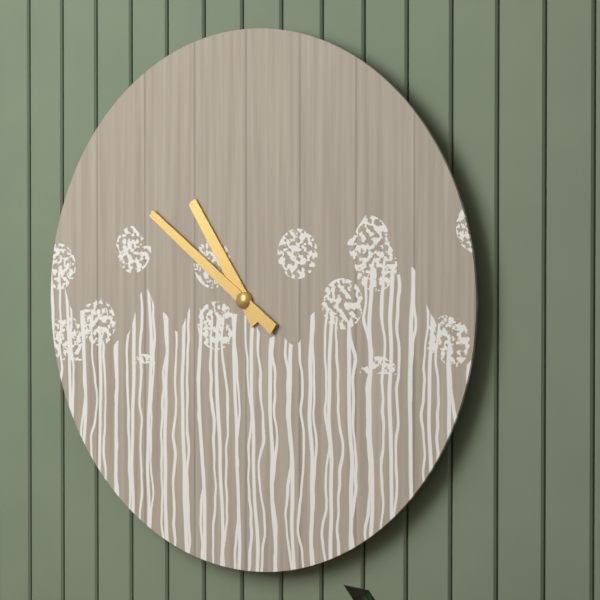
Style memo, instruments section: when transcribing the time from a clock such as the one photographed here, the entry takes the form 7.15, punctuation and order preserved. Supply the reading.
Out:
10.51
